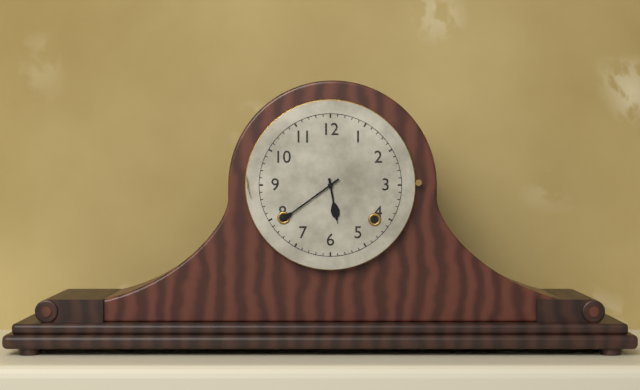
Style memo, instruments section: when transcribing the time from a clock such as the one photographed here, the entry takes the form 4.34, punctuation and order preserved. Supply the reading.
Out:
5.39
